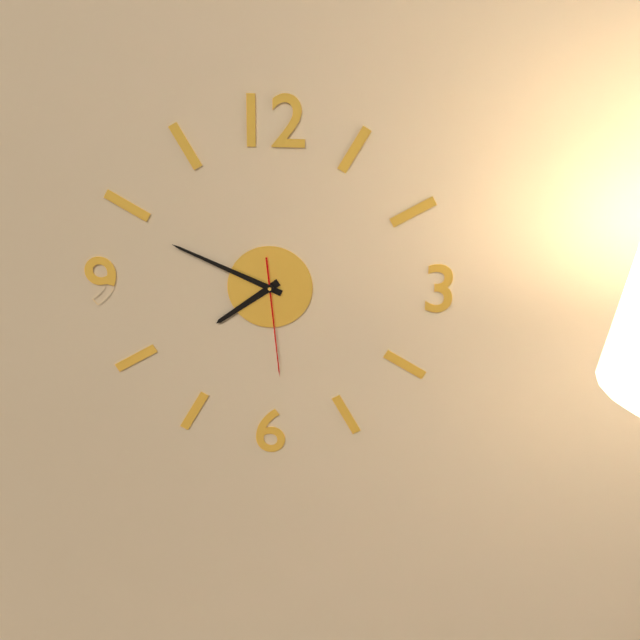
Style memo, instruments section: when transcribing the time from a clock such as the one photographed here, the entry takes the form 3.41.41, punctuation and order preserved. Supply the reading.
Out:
7.49.29
